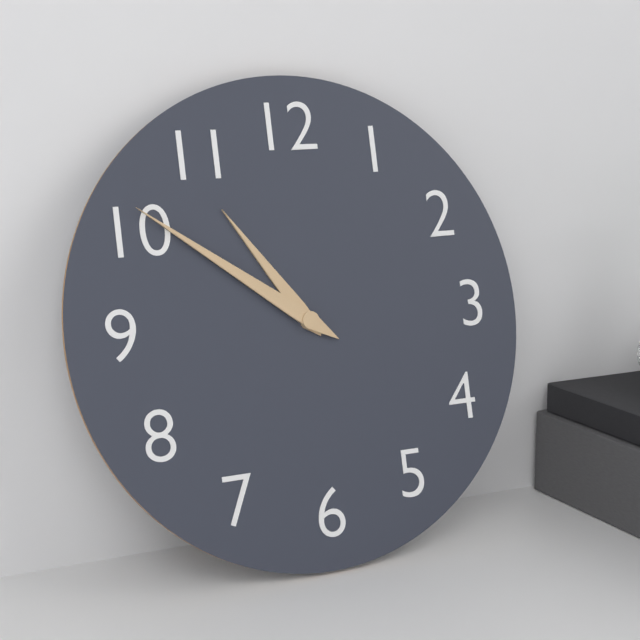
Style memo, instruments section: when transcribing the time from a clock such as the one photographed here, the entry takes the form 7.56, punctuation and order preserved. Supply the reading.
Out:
10.51
